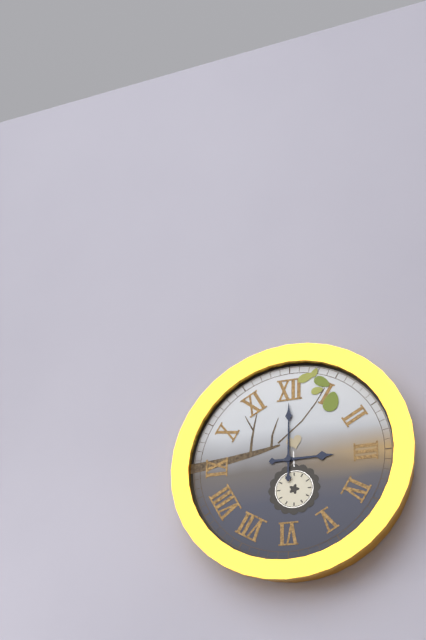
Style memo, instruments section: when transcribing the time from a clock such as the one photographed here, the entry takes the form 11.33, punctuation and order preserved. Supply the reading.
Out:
3.00
